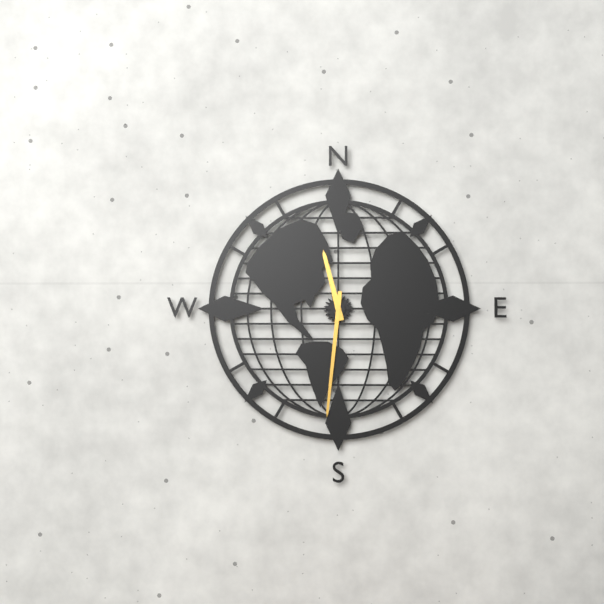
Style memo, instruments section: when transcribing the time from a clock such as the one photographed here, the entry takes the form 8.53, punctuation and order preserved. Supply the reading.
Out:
11.31
